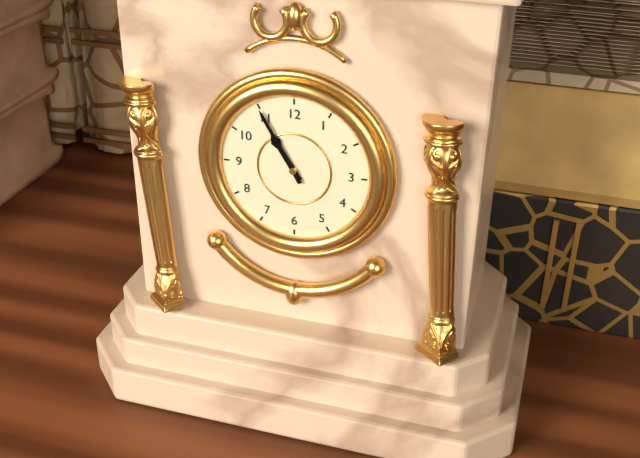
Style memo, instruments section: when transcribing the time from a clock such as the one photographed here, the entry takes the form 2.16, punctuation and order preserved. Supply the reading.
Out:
10.55
